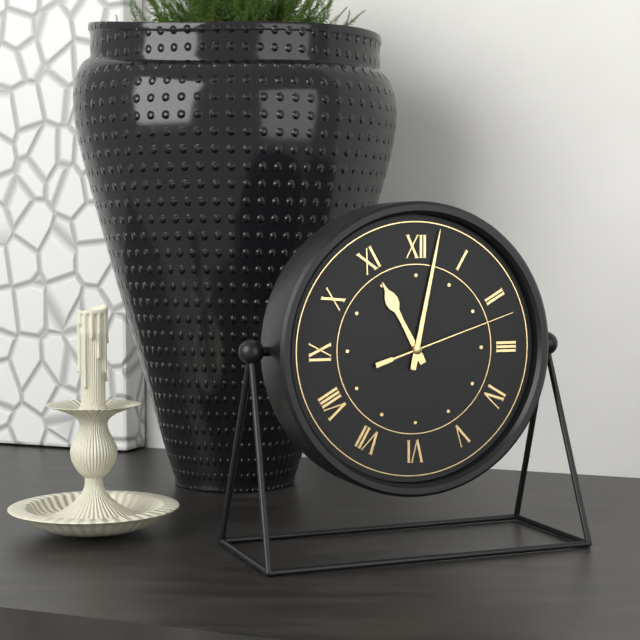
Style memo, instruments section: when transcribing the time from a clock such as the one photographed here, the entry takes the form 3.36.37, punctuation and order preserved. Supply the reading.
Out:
11.02.12
